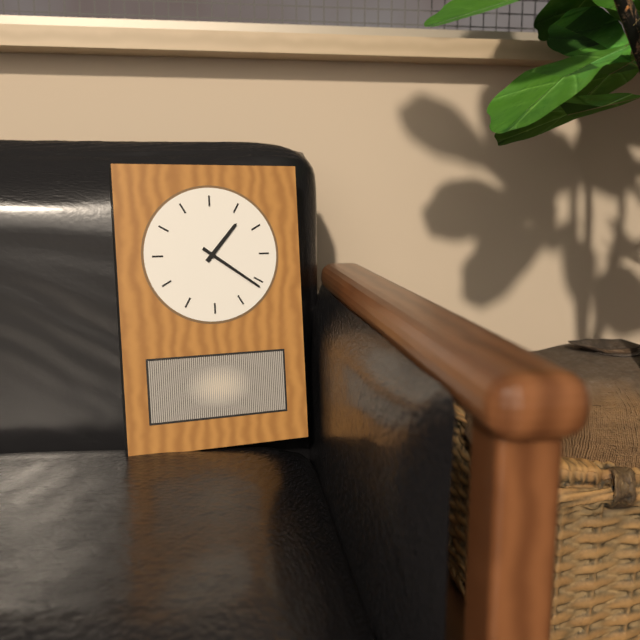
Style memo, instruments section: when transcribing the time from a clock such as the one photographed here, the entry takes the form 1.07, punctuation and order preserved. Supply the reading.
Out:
1.21
